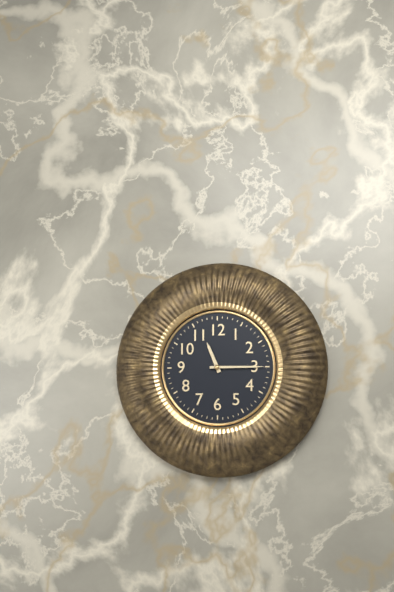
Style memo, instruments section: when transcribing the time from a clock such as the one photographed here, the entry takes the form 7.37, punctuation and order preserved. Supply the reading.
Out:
11.15
